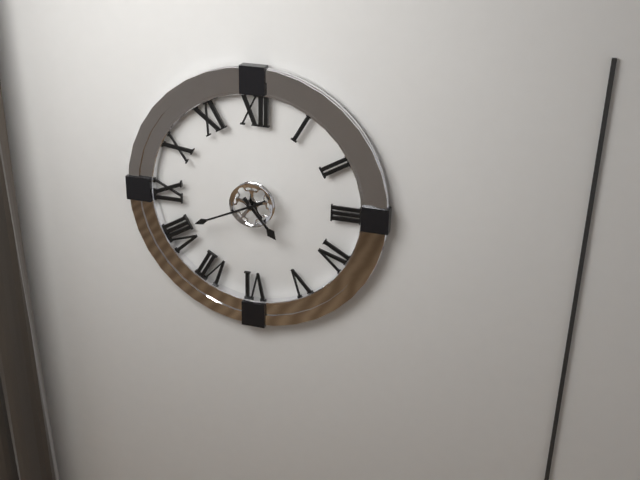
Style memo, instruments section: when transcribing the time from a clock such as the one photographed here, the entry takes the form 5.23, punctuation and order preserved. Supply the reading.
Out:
4.41
